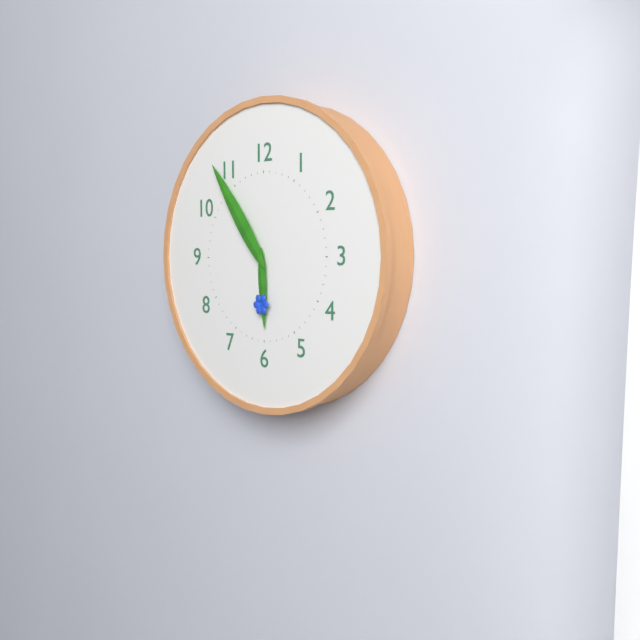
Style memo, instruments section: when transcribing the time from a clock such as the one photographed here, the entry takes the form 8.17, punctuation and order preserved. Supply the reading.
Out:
5.54
